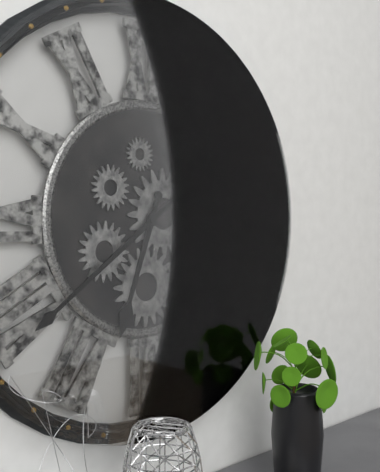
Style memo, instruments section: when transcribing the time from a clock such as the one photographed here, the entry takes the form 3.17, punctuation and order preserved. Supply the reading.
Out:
6.39
